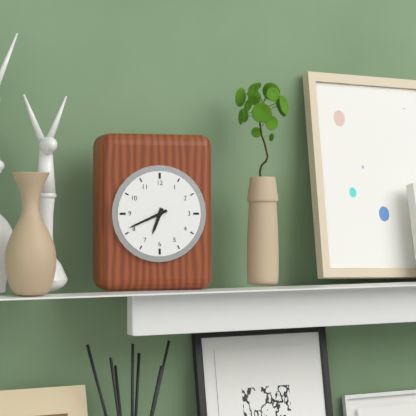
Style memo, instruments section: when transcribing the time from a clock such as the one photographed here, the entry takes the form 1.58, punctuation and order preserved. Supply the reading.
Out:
6.41
